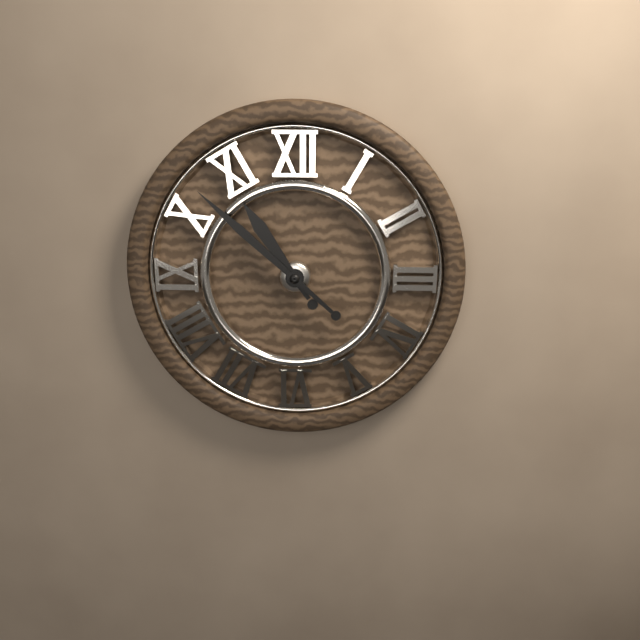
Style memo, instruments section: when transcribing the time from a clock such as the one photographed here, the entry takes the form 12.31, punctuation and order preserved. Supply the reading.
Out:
10.52
